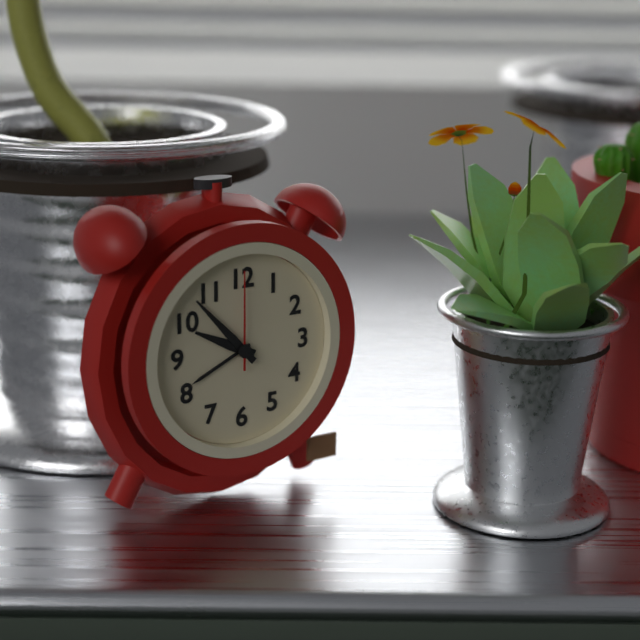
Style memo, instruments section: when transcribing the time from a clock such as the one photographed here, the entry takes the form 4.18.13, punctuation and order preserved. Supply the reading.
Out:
9.53.00
